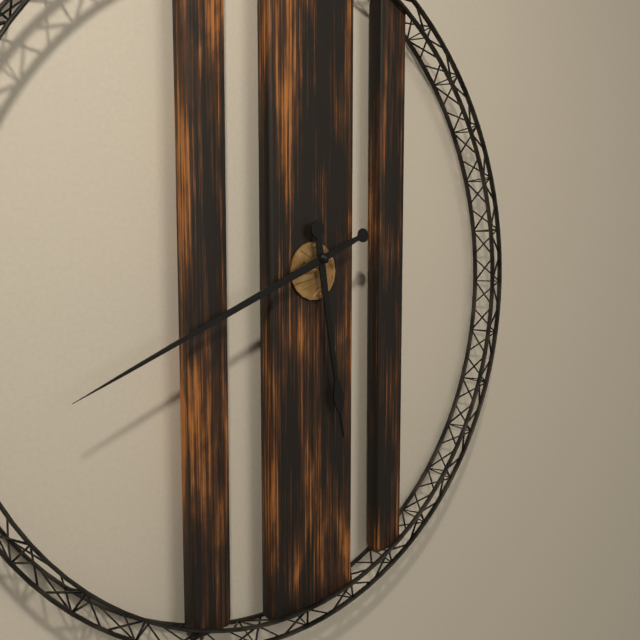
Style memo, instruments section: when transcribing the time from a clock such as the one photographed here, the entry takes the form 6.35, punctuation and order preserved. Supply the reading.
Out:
5.41
